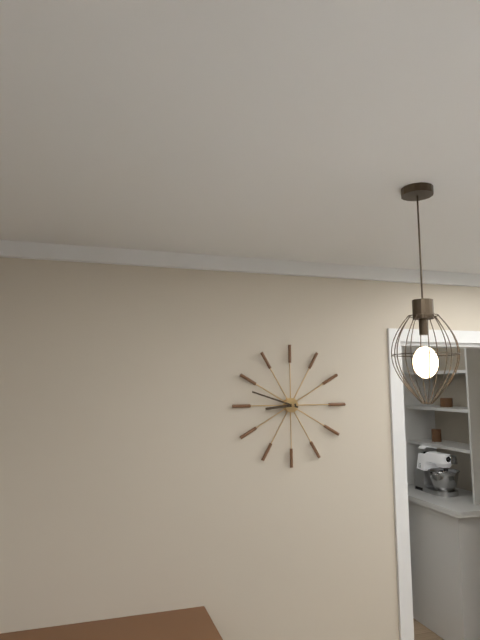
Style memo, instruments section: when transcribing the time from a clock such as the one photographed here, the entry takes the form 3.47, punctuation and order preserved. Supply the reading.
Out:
8.48
